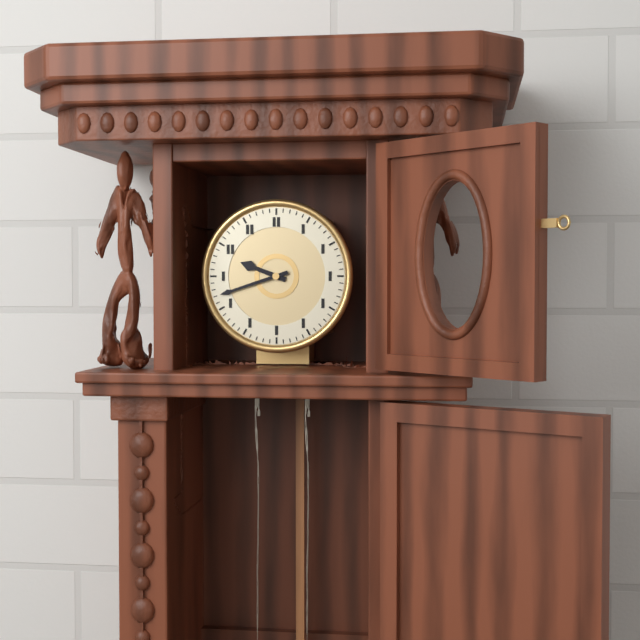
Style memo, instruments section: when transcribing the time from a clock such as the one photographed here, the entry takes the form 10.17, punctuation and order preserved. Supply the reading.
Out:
9.42
